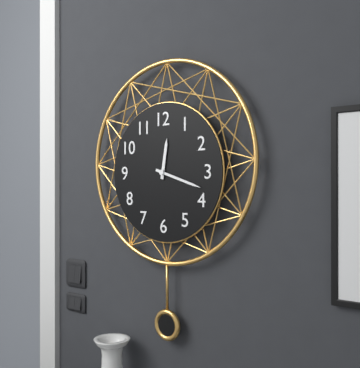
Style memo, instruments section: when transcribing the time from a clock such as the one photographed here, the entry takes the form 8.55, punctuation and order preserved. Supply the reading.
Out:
12.18
